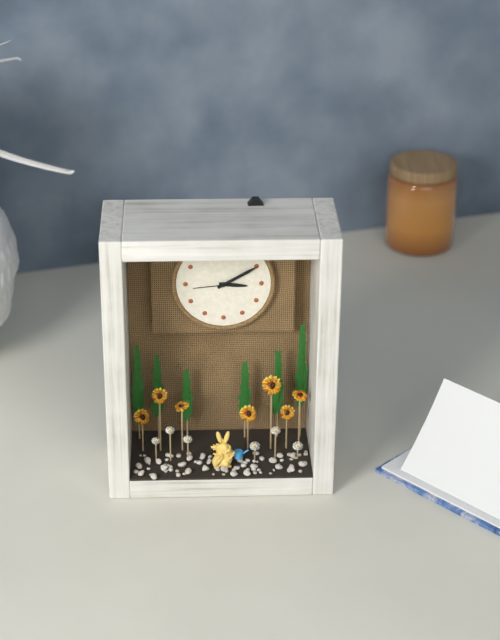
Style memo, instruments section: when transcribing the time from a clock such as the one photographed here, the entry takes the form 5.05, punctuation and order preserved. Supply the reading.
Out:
3.10
